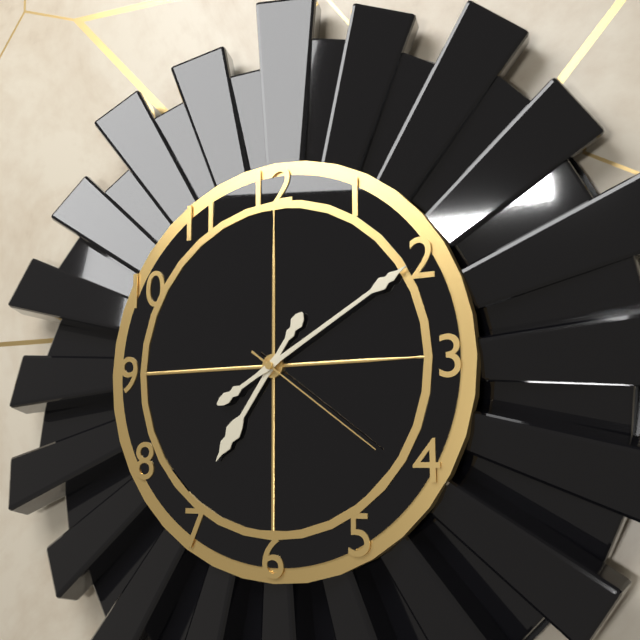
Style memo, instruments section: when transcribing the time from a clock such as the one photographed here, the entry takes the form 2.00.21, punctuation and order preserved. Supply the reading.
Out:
7.10.21
